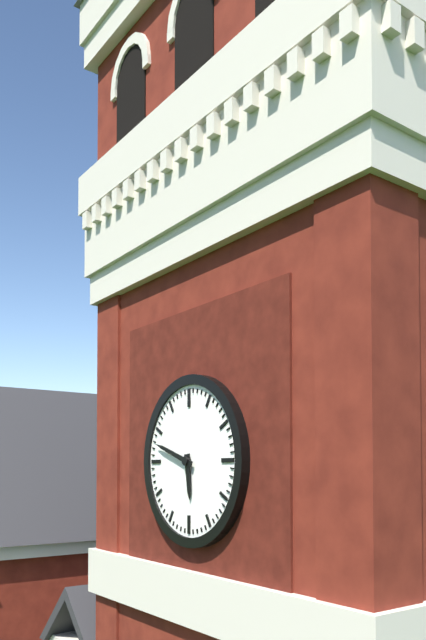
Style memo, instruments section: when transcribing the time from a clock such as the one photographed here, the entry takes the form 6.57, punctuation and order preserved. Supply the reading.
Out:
5.48
